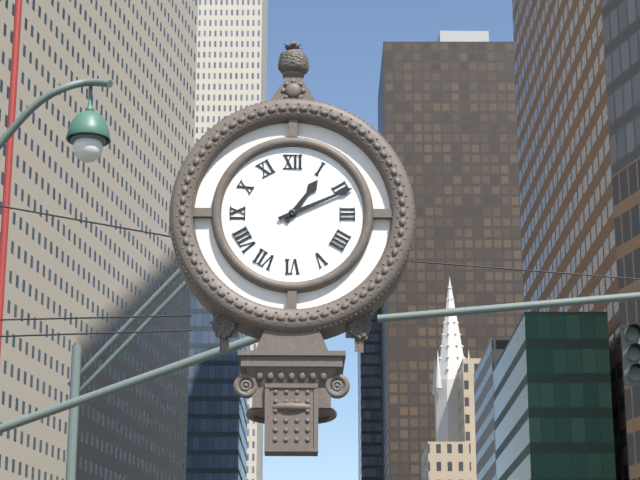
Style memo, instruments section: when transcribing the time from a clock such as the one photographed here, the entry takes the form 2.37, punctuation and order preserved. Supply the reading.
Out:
1.11
